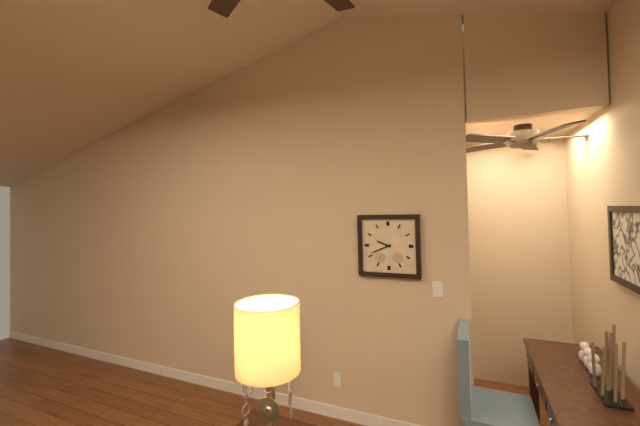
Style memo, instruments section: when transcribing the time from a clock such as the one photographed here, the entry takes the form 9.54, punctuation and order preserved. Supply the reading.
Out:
9.41
